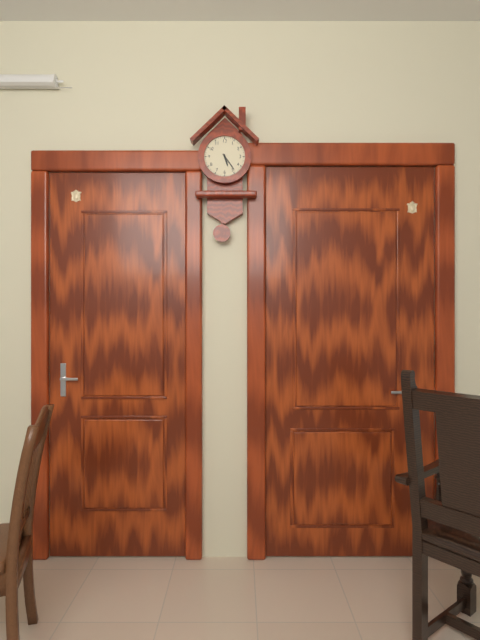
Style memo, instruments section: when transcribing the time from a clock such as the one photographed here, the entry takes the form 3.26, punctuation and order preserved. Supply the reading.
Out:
5.24
